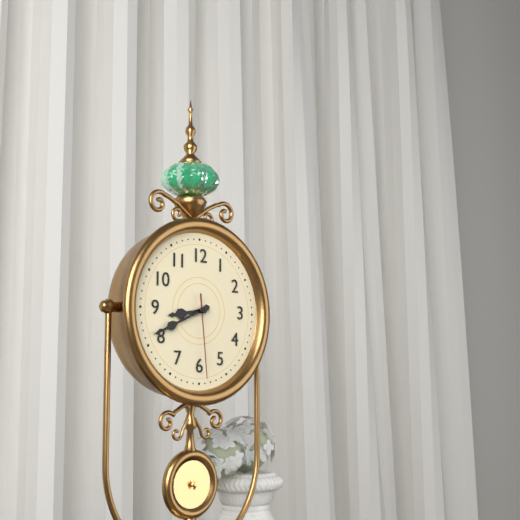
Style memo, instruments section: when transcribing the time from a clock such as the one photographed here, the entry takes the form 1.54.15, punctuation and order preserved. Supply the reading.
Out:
8.41.29
